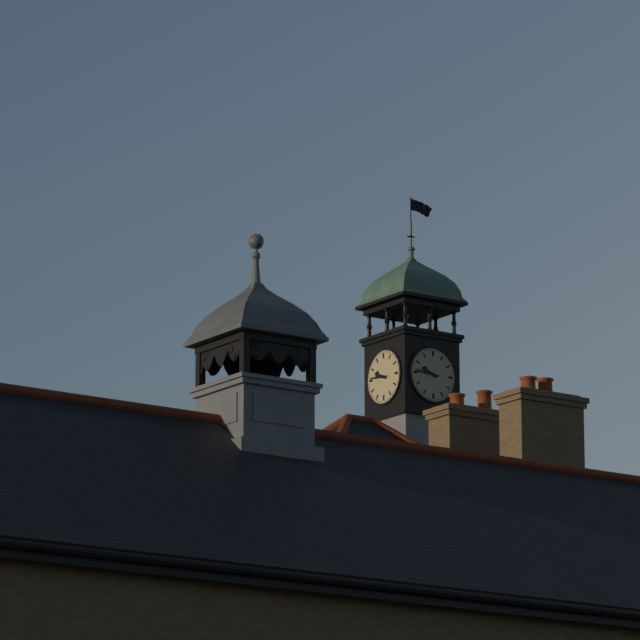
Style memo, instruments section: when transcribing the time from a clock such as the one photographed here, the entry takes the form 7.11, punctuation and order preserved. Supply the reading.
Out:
9.46
